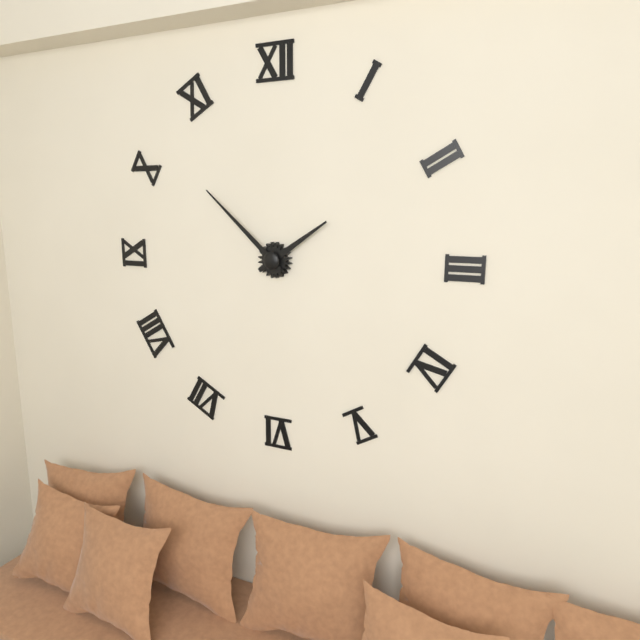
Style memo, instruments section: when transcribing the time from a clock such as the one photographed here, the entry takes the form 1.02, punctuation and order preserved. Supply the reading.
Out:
1.52
